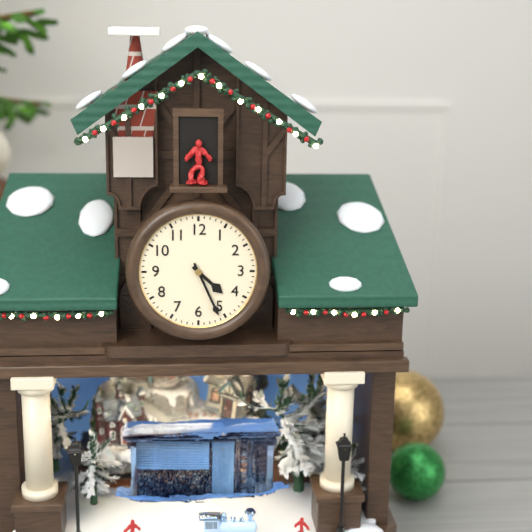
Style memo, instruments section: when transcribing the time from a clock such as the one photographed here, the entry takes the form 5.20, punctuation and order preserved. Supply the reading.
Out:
4.26
